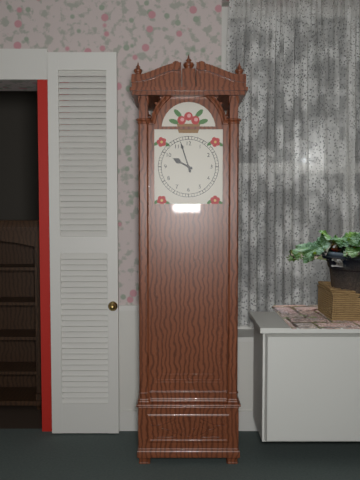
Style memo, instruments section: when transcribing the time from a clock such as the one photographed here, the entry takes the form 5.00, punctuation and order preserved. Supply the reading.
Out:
9.57
